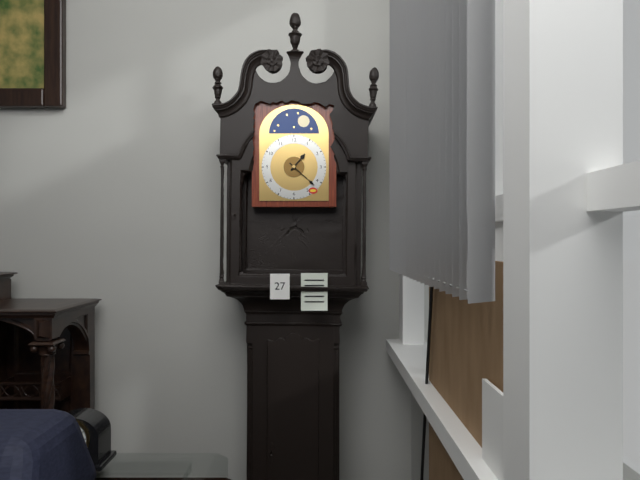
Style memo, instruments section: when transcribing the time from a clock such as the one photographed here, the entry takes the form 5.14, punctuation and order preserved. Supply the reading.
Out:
1.22
